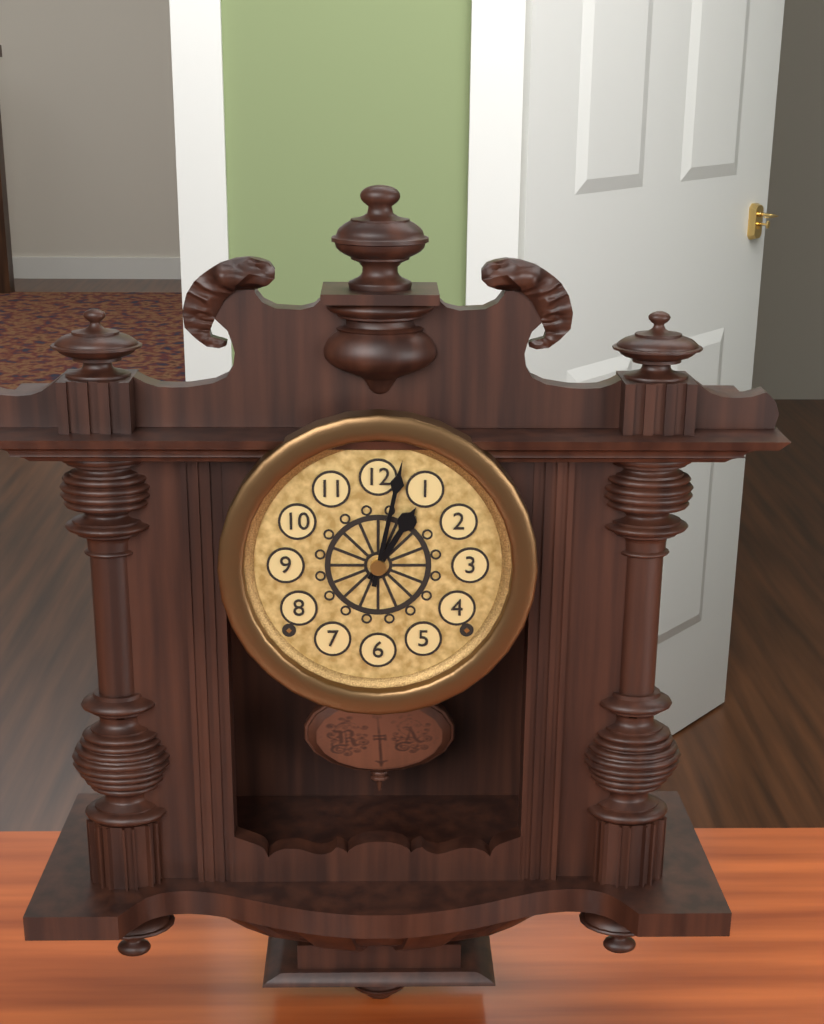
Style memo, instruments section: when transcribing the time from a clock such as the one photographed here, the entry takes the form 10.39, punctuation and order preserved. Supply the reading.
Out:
1.02
